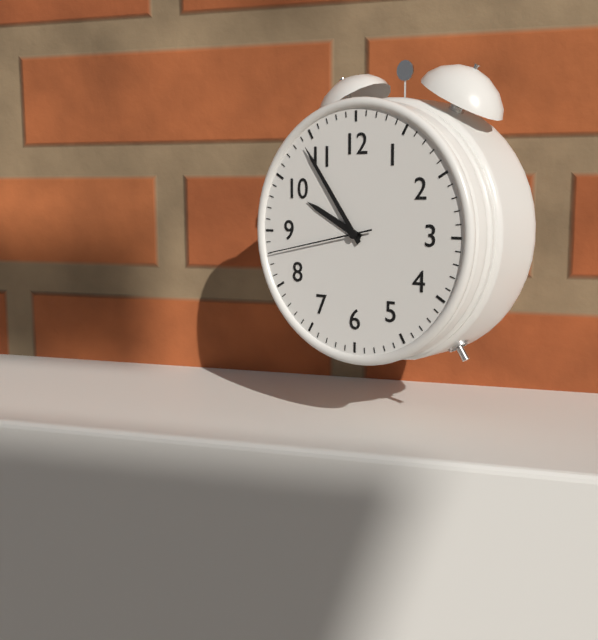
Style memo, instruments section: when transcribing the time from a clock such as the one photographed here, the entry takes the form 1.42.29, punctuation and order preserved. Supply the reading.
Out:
9.54.43
